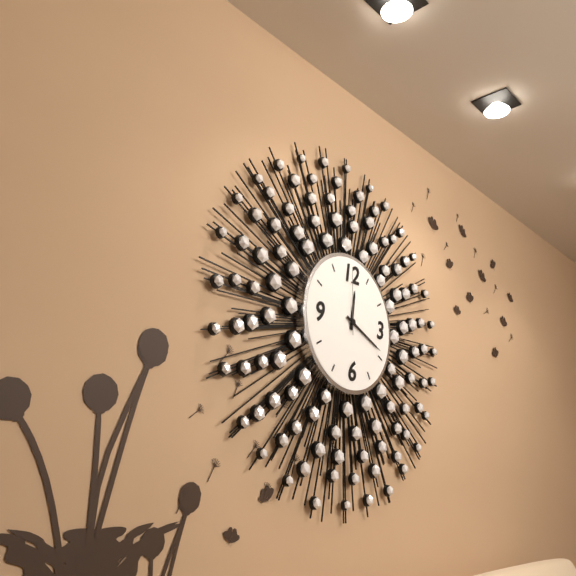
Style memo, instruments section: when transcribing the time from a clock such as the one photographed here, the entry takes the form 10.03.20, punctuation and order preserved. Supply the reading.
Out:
12.19.00
